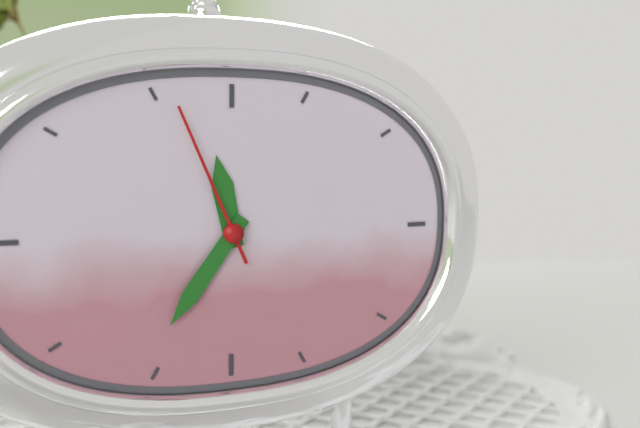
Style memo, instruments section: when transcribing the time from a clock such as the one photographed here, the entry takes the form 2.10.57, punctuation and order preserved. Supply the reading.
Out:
11.36.56
